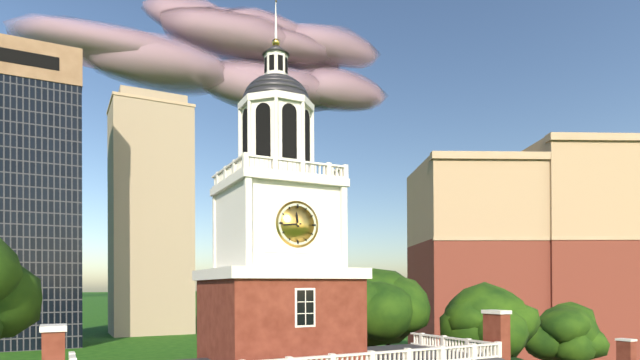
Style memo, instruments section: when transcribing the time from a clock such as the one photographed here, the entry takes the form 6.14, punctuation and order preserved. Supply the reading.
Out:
11.44
